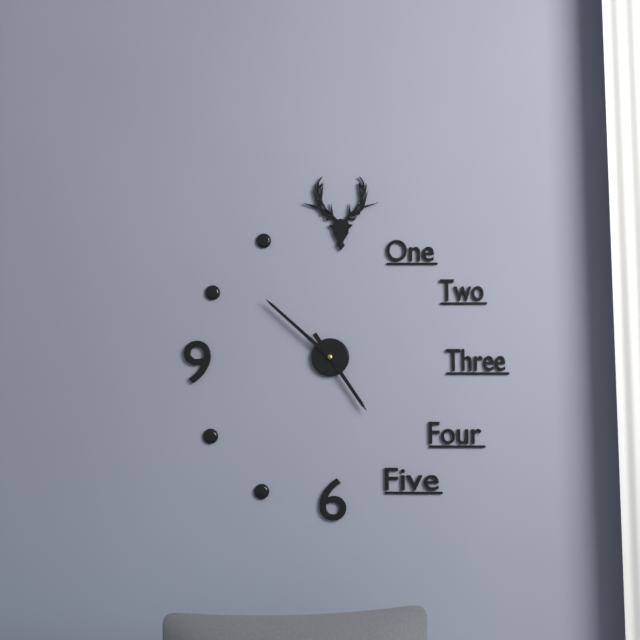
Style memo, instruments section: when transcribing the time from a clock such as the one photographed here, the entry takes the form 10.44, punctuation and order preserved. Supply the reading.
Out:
4.52
